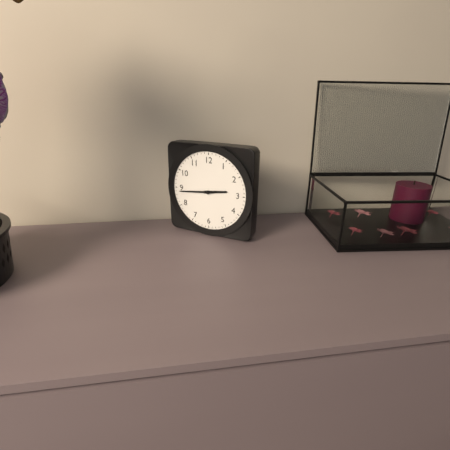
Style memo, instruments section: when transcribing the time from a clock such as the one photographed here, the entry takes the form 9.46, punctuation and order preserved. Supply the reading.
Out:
2.44
